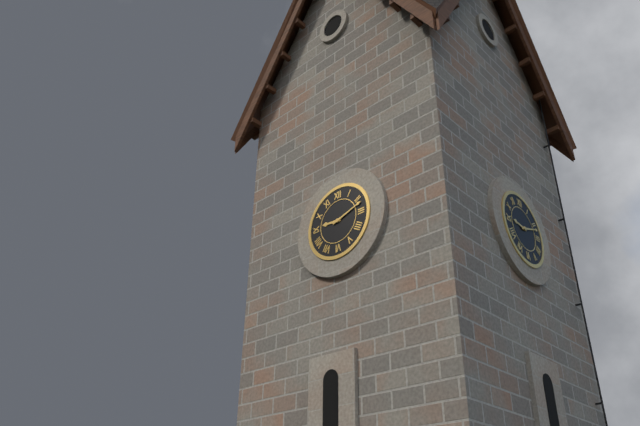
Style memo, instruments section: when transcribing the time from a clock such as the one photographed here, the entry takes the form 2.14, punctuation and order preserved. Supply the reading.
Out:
9.12
